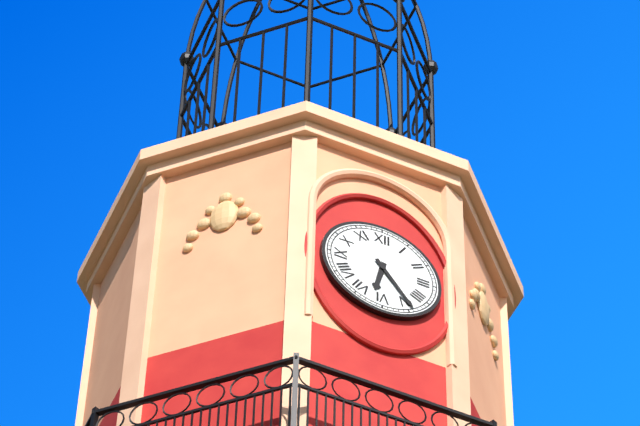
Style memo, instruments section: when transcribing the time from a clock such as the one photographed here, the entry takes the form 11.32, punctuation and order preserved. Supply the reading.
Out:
6.24
